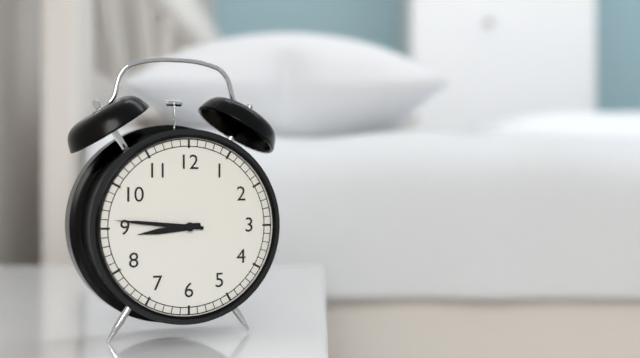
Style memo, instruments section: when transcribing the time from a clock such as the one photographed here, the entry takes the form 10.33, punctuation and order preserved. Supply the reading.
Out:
8.46
